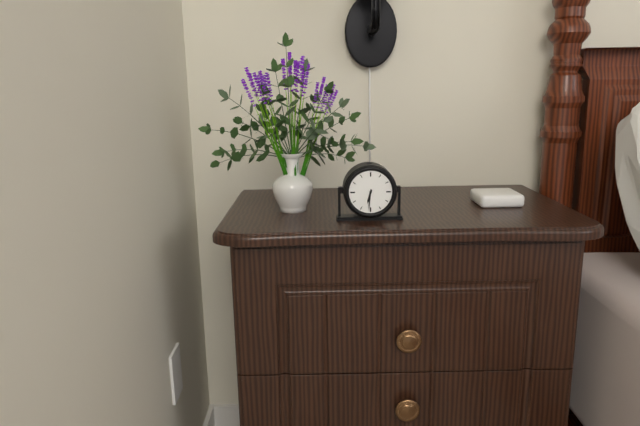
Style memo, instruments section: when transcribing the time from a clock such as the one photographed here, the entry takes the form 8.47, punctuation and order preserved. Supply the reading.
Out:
6.31
